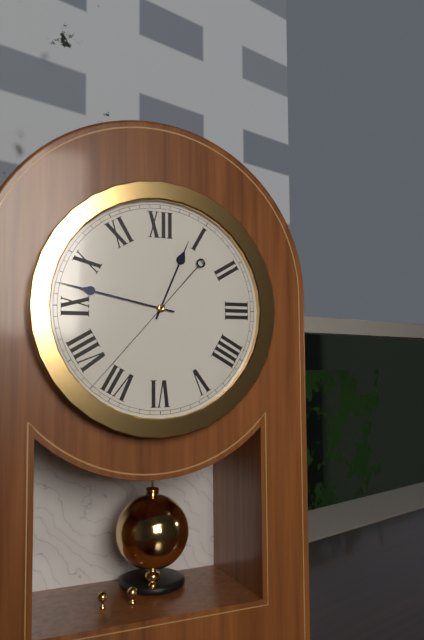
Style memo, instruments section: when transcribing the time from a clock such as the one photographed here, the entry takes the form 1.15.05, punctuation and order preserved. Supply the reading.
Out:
12.47.37
